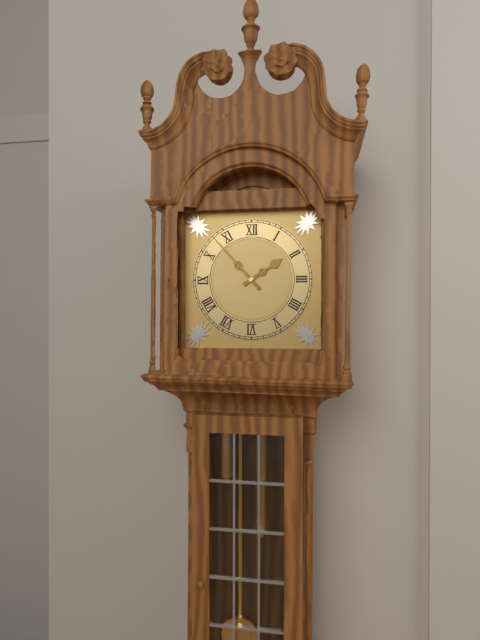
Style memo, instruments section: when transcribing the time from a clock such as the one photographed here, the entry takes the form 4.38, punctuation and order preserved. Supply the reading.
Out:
1.53
